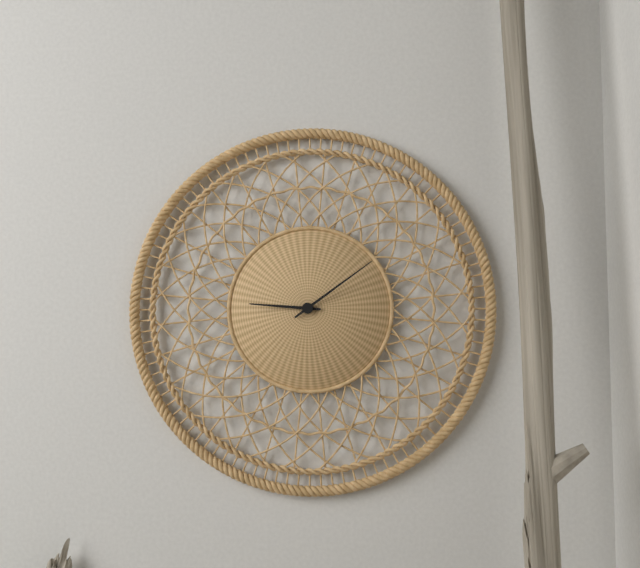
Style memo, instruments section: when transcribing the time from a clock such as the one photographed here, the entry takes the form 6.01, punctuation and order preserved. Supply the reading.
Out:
9.09
